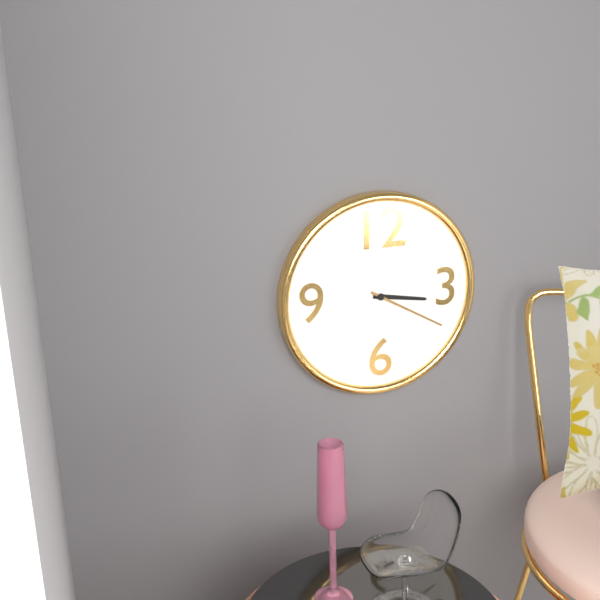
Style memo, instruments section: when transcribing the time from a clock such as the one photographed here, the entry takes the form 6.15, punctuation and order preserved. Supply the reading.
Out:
3.20
